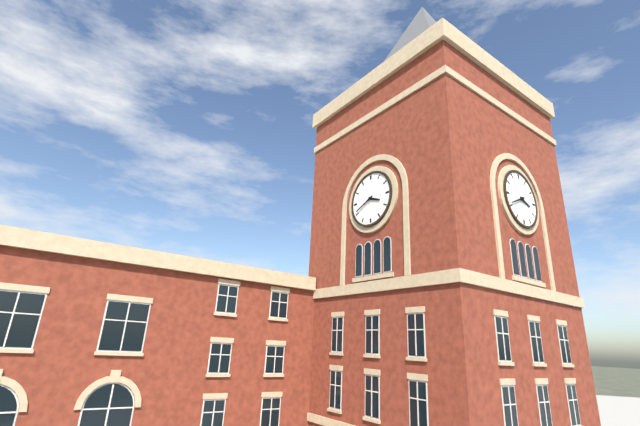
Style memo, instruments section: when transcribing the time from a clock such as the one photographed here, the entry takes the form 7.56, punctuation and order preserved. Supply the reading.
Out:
3.41
